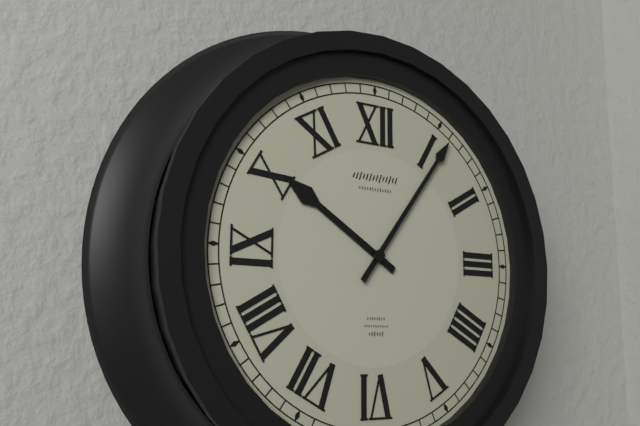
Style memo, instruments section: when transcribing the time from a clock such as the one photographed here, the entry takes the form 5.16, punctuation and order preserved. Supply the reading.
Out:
10.06
